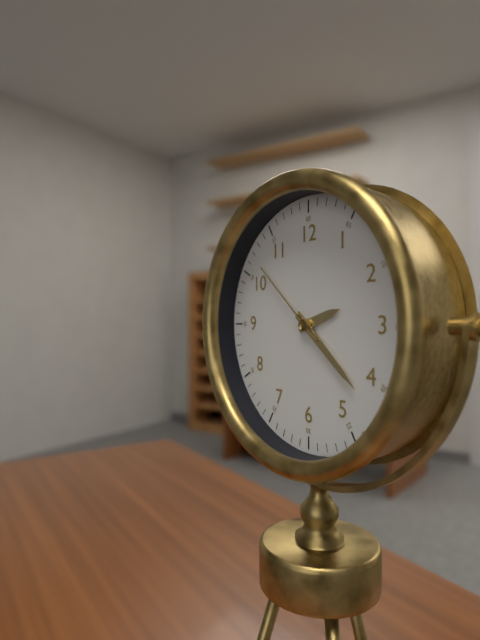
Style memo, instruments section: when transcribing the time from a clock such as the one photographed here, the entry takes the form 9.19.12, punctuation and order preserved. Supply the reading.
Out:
2.22.52
